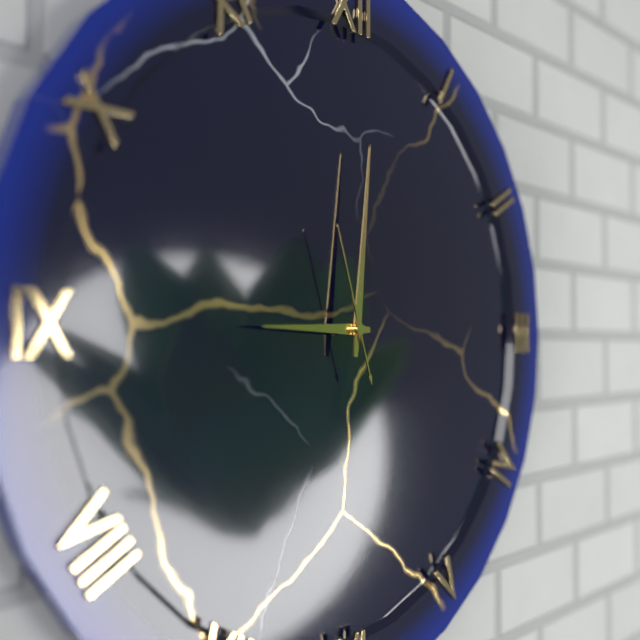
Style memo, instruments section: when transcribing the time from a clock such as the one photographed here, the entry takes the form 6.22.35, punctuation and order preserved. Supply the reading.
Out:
9.01.57
